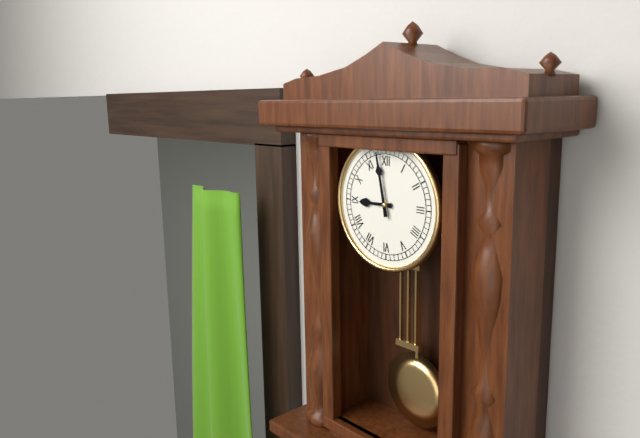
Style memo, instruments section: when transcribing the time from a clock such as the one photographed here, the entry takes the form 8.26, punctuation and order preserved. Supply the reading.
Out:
8.58
